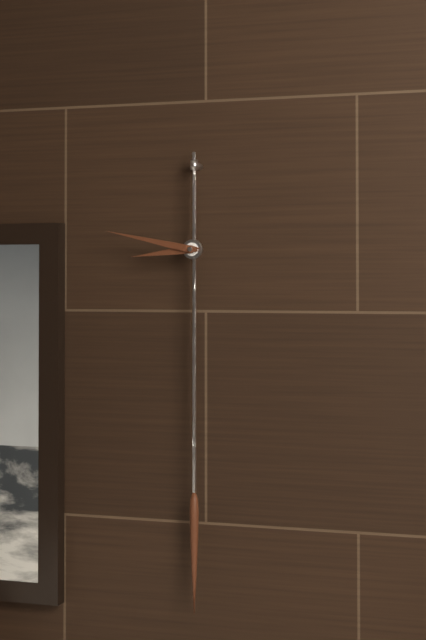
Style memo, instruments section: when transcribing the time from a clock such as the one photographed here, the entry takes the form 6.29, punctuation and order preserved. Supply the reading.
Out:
8.47
